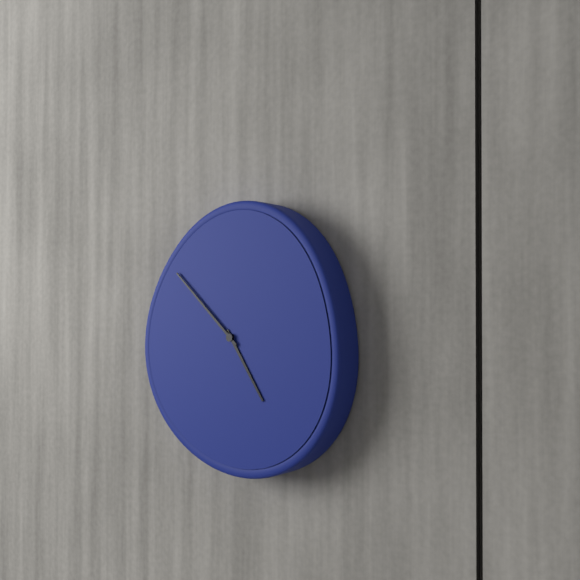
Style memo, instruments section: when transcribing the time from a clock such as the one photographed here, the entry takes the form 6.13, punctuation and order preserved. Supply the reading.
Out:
4.52
